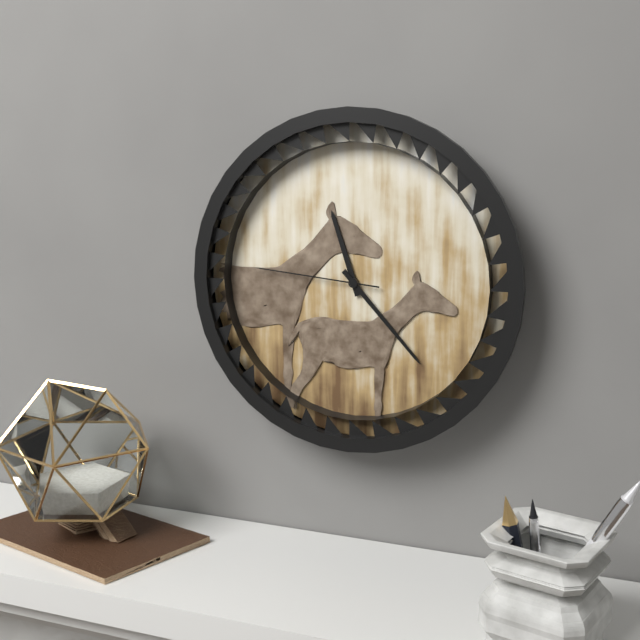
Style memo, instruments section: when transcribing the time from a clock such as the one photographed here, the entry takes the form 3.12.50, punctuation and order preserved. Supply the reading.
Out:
11.23.46
